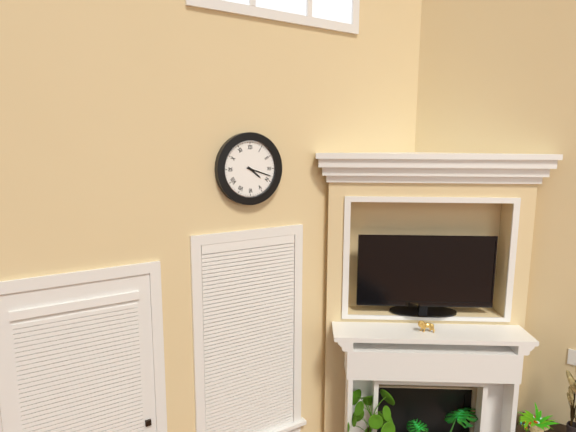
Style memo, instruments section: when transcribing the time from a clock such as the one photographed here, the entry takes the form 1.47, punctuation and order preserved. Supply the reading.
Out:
4.18
